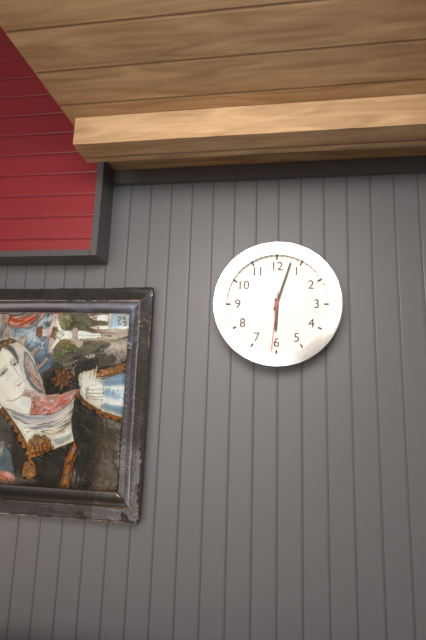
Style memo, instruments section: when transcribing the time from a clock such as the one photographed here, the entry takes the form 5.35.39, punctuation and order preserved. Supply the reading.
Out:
6.03.31
